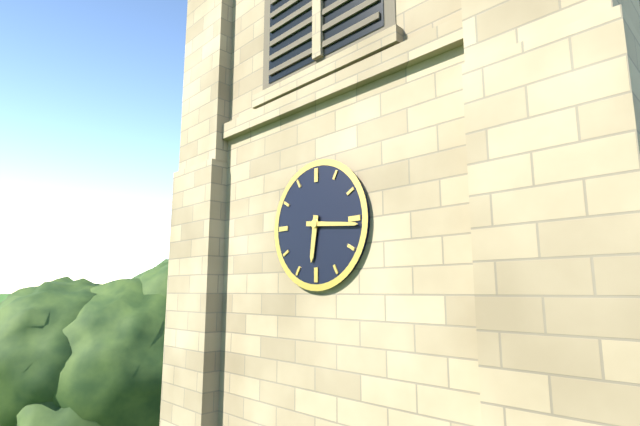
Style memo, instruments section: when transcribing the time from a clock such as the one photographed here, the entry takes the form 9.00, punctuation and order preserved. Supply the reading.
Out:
6.16
